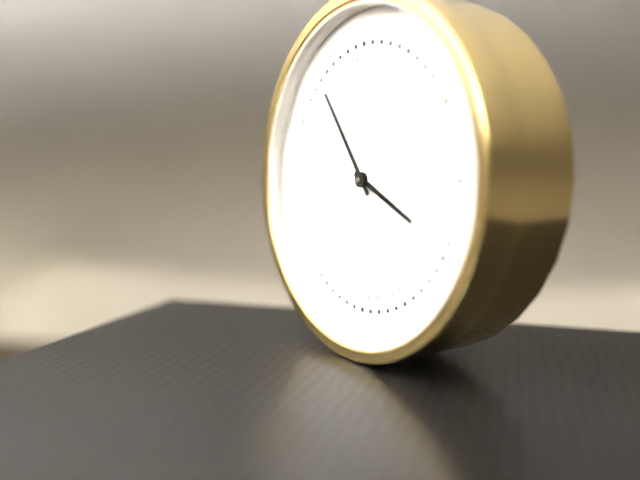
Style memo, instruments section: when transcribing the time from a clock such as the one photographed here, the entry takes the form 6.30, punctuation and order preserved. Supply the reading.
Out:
3.54
